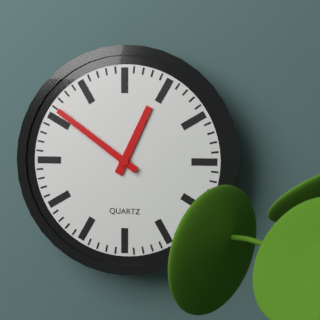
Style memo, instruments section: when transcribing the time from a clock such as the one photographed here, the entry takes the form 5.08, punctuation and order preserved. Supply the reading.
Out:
12.51
